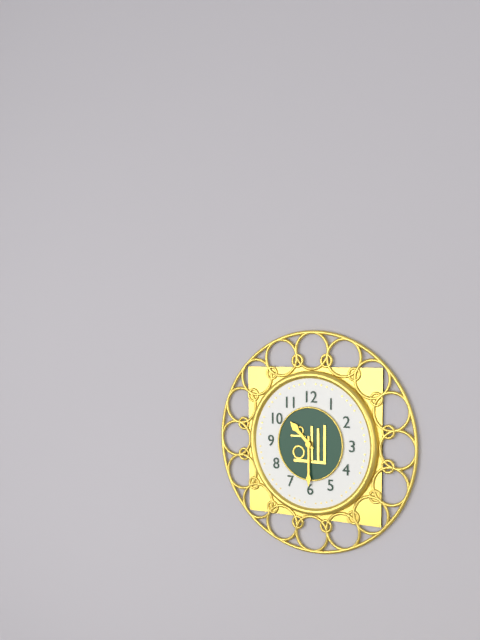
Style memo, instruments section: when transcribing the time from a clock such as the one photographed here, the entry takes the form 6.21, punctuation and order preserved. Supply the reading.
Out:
10.30
